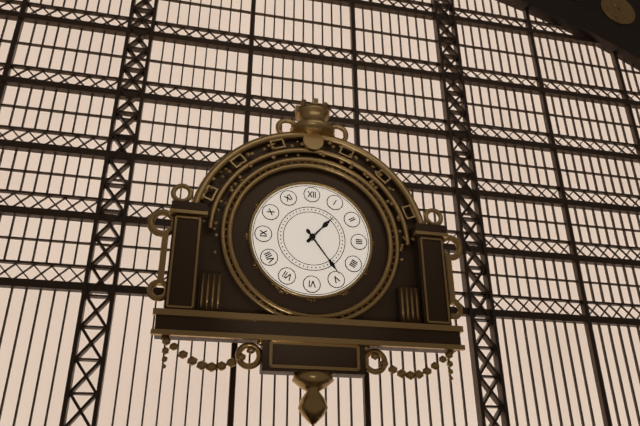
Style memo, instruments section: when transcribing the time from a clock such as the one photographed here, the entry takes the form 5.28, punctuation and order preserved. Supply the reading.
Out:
1.24
